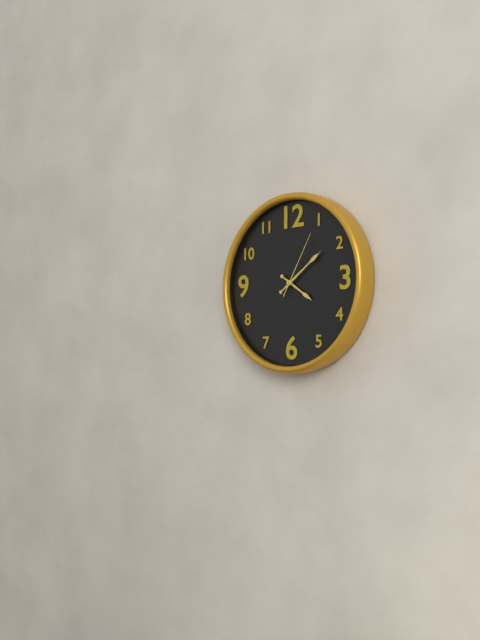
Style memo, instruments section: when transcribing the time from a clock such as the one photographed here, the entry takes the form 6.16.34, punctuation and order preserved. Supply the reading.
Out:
4.09.05
